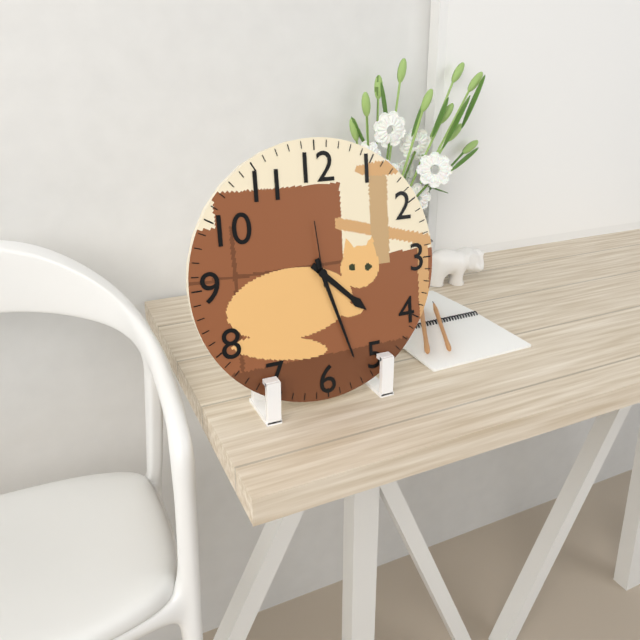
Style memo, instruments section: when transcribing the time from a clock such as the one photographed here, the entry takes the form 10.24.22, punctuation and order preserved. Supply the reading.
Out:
4.27.59
